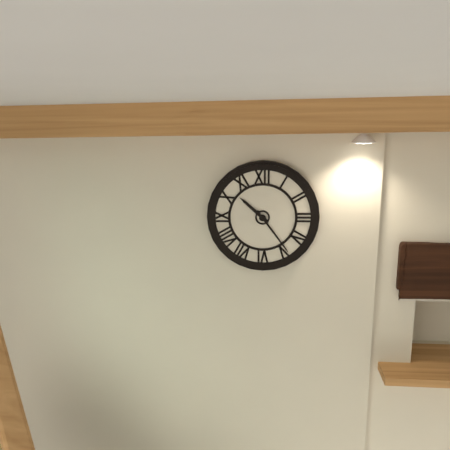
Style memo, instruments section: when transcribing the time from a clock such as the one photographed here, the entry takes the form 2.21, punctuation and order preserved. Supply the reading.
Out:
10.24
